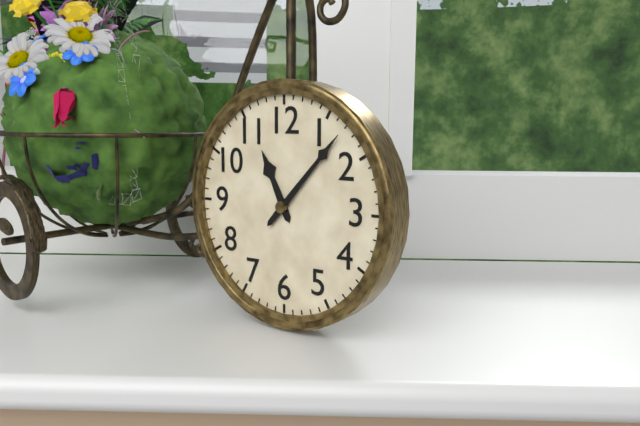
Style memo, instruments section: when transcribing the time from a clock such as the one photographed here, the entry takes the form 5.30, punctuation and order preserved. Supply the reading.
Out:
11.07
